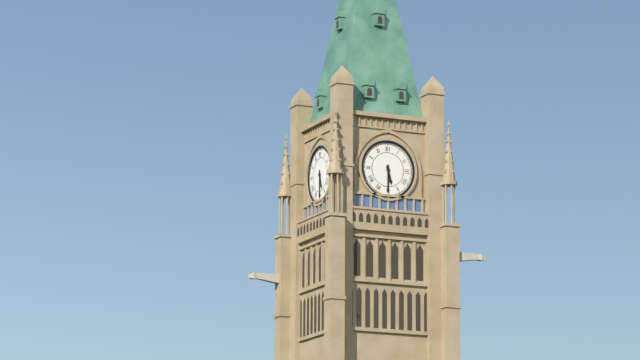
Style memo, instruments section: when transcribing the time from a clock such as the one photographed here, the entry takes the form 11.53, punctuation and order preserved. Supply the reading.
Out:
5.30
